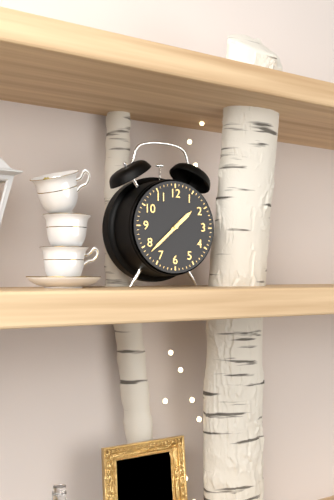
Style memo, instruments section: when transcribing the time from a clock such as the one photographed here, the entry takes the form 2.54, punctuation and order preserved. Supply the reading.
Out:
1.38
